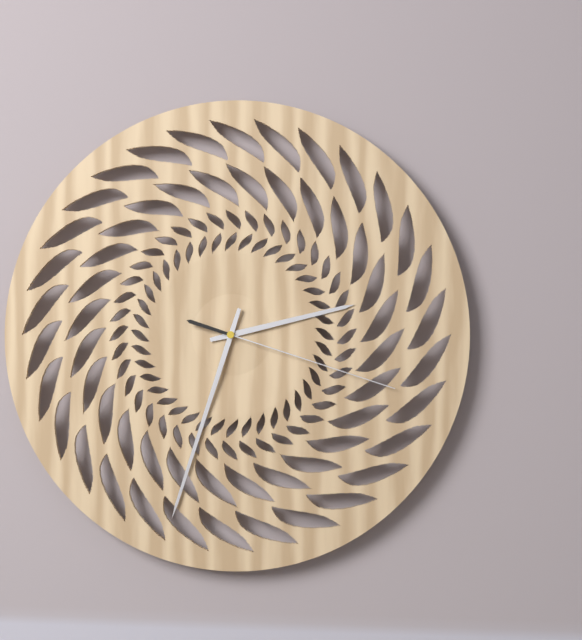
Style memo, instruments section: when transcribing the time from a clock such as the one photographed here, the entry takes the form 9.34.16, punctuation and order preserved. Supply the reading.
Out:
2.33.18
